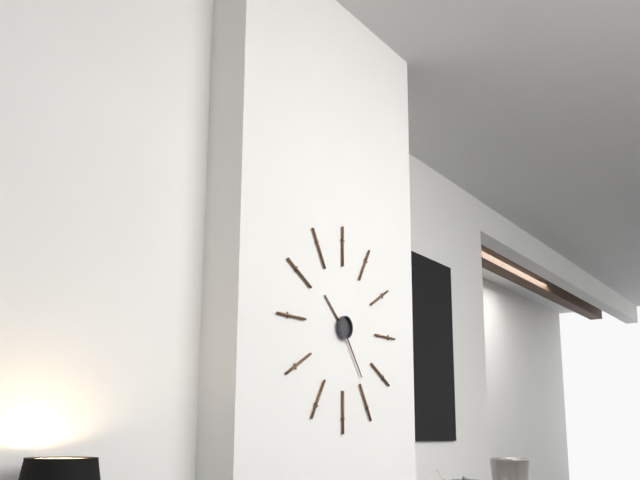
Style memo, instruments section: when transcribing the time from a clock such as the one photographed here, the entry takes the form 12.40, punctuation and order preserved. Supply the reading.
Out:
10.24
